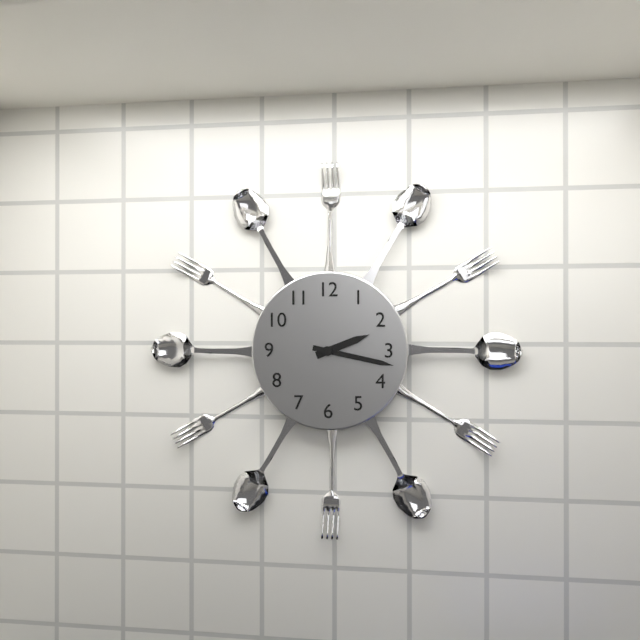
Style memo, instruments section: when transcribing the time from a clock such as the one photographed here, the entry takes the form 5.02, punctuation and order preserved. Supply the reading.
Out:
2.17
